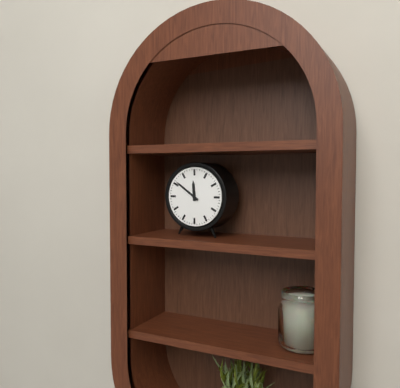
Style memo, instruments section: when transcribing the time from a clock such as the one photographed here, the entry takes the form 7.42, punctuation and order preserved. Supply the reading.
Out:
11.51
